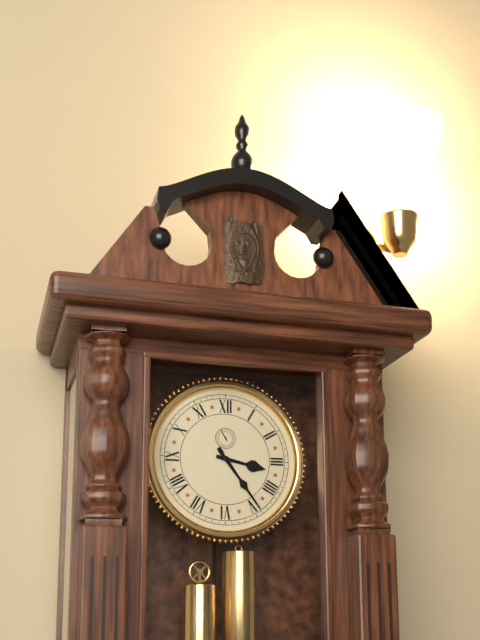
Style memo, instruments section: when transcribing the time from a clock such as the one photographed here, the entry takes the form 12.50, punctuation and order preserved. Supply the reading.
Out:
3.24
